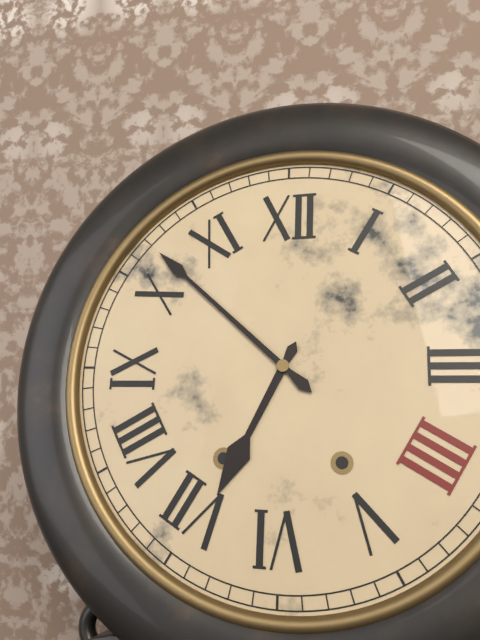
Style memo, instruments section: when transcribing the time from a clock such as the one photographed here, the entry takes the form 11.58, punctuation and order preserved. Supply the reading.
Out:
6.52
